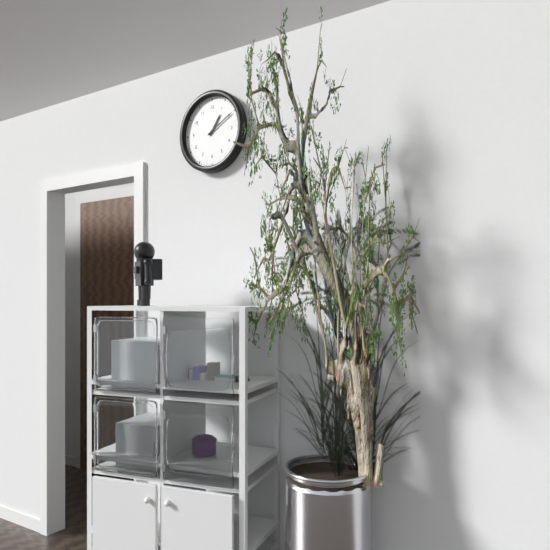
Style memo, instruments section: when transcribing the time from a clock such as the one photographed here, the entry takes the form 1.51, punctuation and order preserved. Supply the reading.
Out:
1.10
